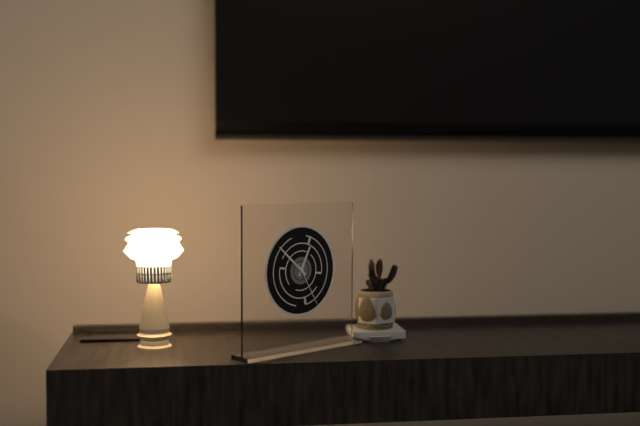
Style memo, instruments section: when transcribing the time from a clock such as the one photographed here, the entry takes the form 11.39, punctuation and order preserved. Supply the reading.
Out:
12.52
